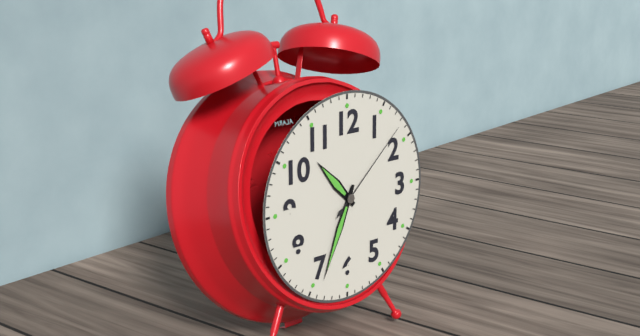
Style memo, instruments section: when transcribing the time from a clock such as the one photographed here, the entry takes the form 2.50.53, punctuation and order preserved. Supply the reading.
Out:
10.34.08
